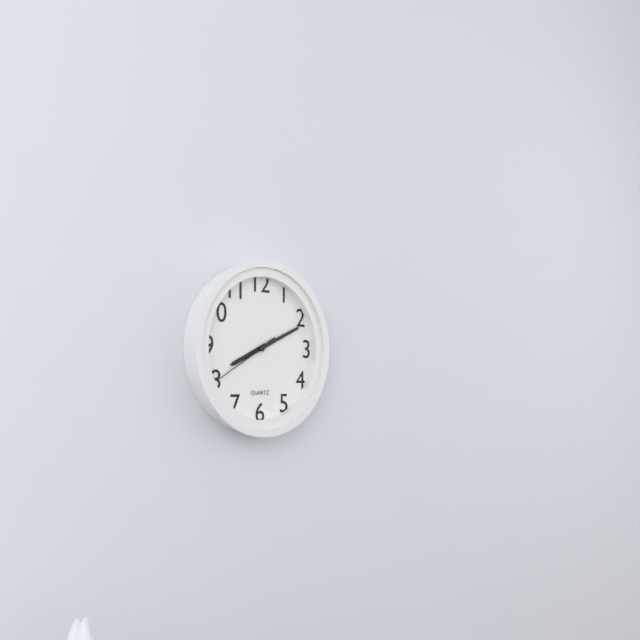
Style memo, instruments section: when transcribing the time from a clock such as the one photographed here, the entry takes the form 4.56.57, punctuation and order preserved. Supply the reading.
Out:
8.11.40
